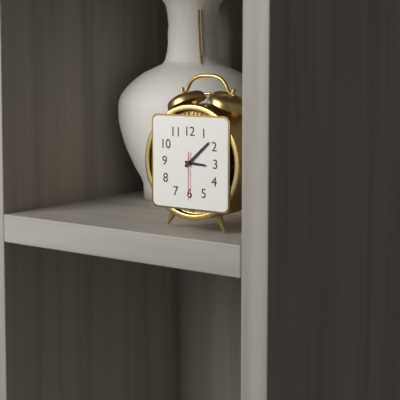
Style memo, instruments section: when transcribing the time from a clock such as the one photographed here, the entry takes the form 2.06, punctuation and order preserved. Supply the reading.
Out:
3.08
